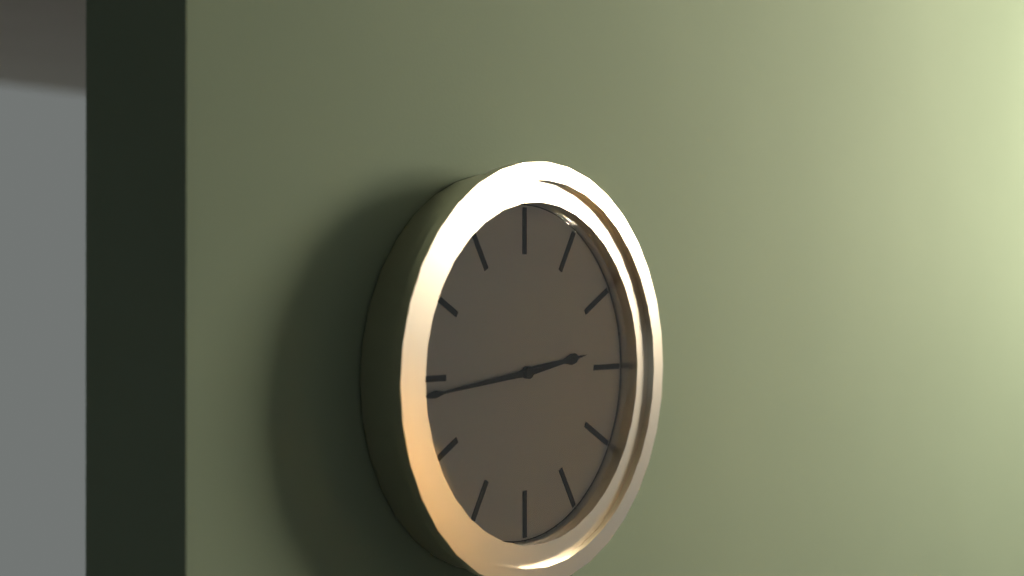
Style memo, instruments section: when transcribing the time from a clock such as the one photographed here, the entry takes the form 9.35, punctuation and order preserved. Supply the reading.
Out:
2.44
